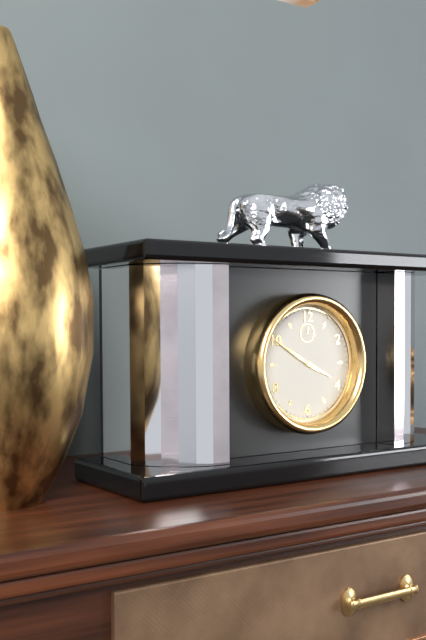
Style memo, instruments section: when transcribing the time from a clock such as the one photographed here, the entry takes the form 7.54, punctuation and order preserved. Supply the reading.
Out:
3.50
